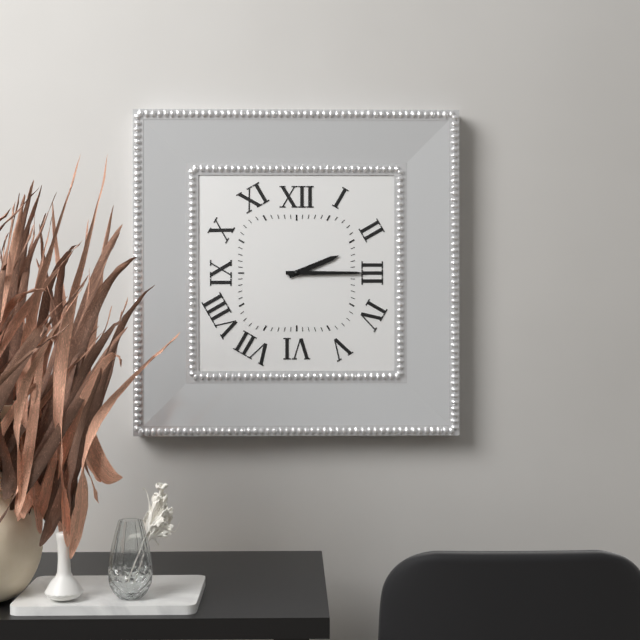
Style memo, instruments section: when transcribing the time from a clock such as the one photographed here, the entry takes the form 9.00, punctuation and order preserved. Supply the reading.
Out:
2.15
